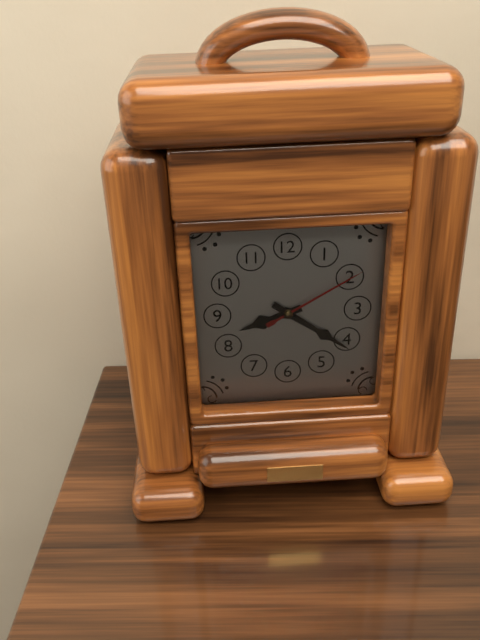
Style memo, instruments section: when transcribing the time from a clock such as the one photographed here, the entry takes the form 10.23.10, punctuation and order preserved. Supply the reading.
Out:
8.21.10
